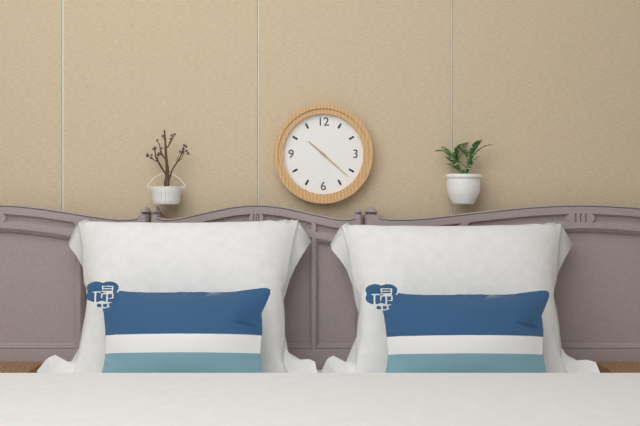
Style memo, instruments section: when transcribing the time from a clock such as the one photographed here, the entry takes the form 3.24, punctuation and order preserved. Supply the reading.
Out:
10.22
